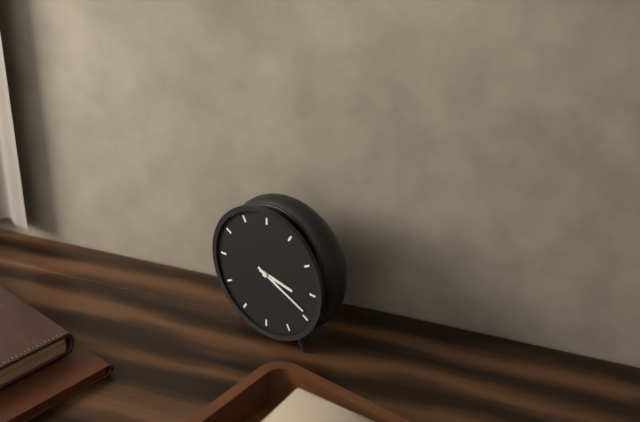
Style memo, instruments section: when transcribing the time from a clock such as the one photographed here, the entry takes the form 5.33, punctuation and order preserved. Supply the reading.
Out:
3.19
